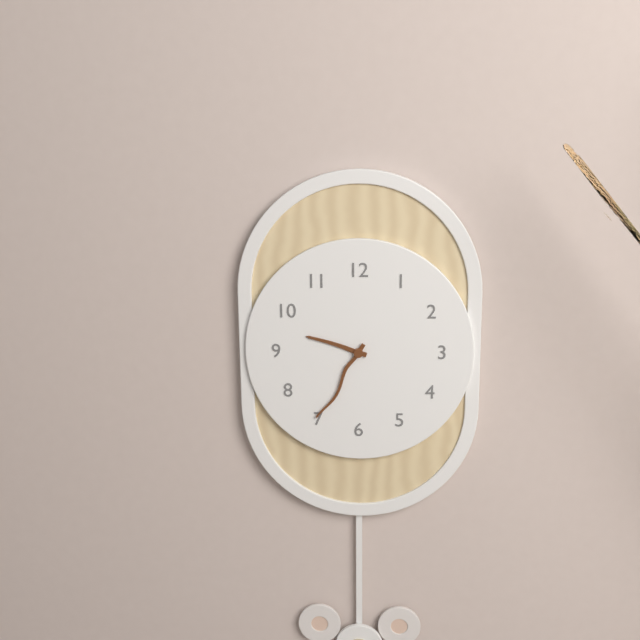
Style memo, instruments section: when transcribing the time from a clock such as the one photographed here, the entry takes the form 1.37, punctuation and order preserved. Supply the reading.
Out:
9.35
